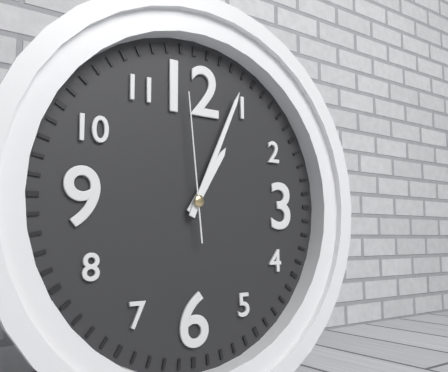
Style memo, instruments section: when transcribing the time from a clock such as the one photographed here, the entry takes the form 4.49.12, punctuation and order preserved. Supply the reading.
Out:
1.04.59
